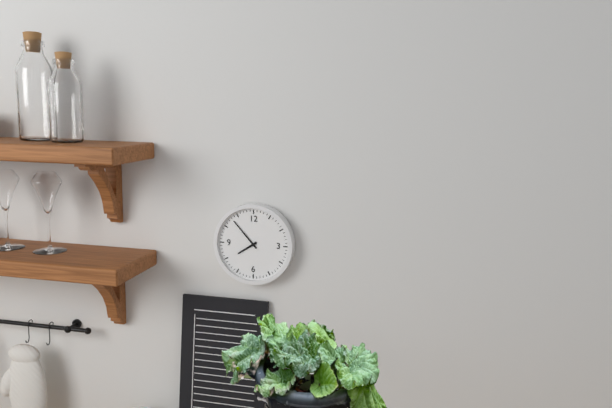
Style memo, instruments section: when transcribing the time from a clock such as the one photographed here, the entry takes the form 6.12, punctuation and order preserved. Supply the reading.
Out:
7.53
